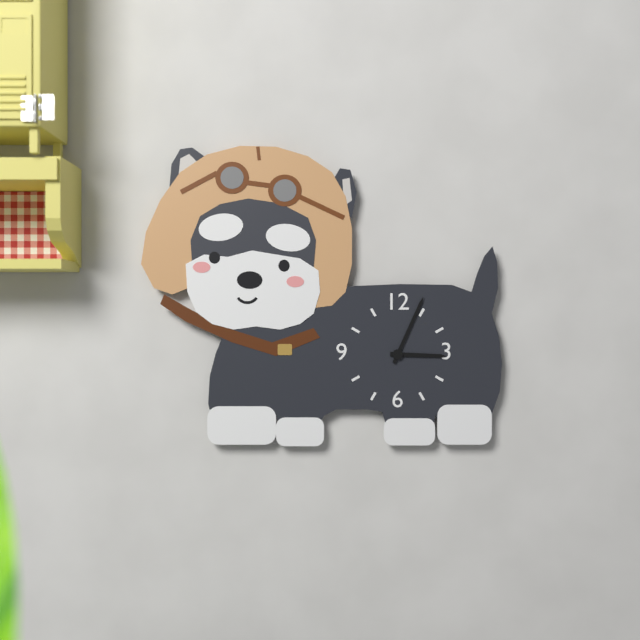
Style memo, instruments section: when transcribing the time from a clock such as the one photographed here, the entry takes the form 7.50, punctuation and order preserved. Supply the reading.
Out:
3.04
